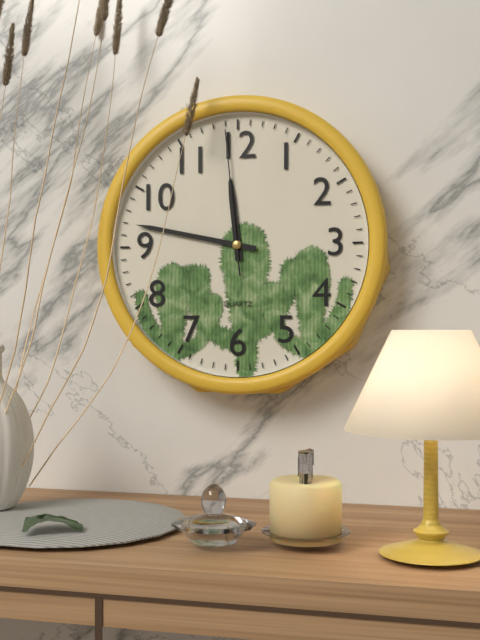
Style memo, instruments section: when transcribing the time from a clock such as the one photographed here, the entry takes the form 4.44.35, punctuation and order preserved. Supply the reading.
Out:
11.47.59
